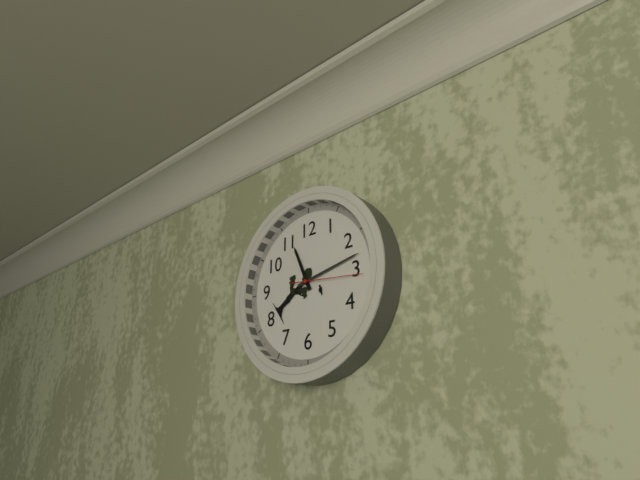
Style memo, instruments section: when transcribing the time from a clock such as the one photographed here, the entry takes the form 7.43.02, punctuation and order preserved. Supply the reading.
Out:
11.13.16
